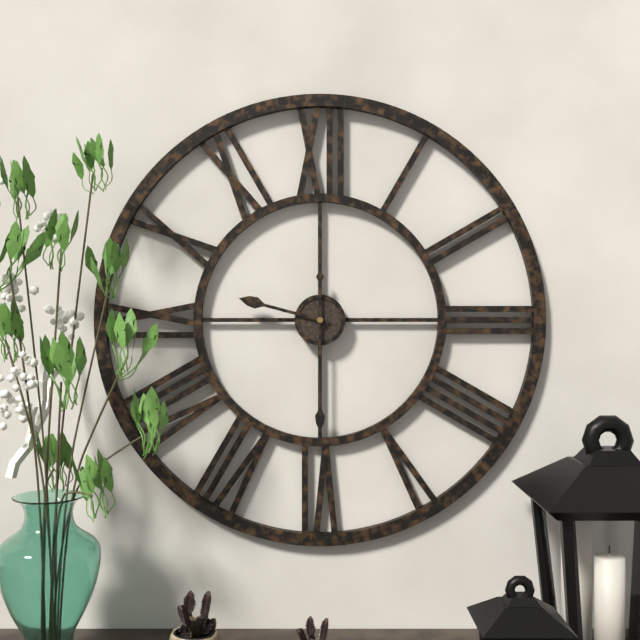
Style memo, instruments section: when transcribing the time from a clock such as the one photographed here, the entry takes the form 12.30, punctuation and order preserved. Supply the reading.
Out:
9.30
